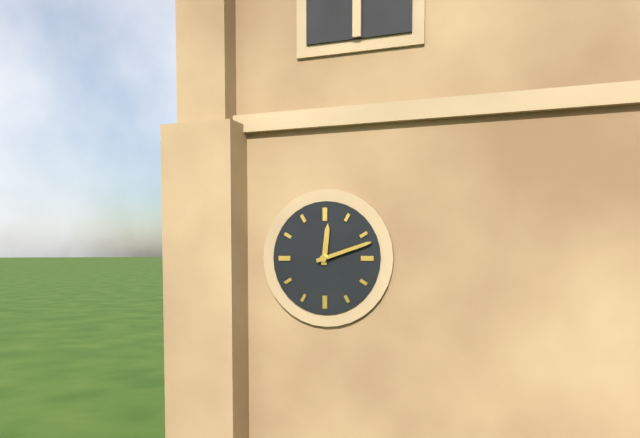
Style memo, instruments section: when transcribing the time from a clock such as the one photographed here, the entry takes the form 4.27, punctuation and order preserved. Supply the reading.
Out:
12.12
